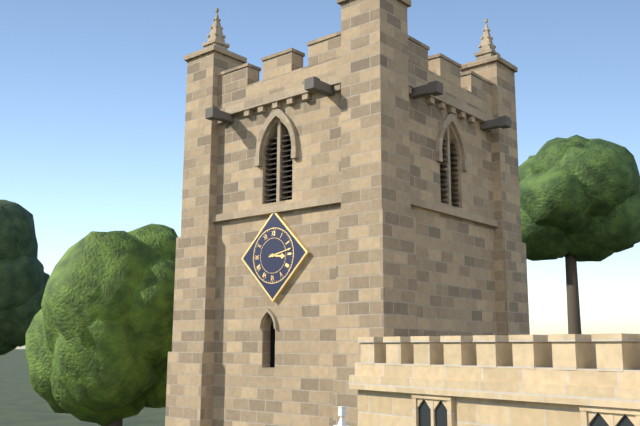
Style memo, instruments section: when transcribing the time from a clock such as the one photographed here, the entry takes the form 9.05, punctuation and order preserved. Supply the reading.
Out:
3.13
